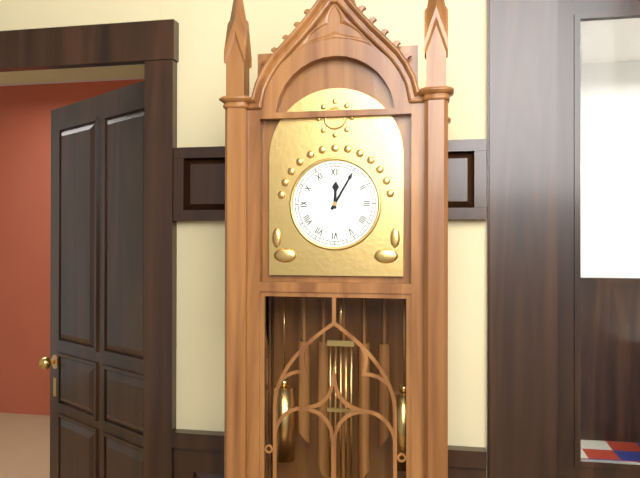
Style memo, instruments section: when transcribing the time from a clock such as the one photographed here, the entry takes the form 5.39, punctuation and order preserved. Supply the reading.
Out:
12.05
